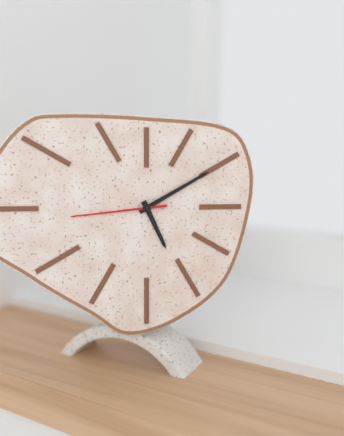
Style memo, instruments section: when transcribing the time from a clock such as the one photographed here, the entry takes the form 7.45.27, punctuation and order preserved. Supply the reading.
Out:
5.10.44
